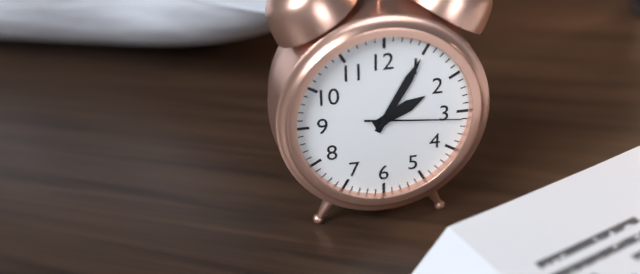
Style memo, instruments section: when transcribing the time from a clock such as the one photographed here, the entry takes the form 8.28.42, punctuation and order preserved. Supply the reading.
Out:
2.05.16
